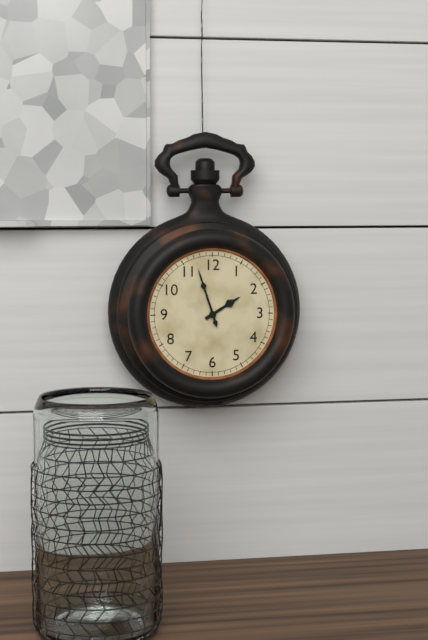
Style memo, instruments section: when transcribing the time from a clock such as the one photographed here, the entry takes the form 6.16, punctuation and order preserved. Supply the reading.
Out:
1.57
